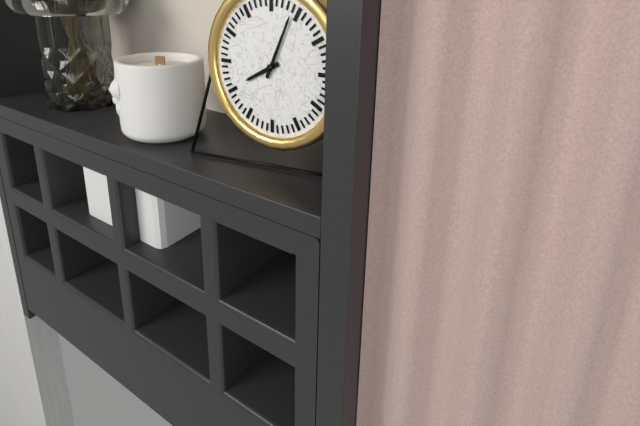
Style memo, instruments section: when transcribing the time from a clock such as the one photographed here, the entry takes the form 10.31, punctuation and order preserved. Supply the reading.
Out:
8.04
